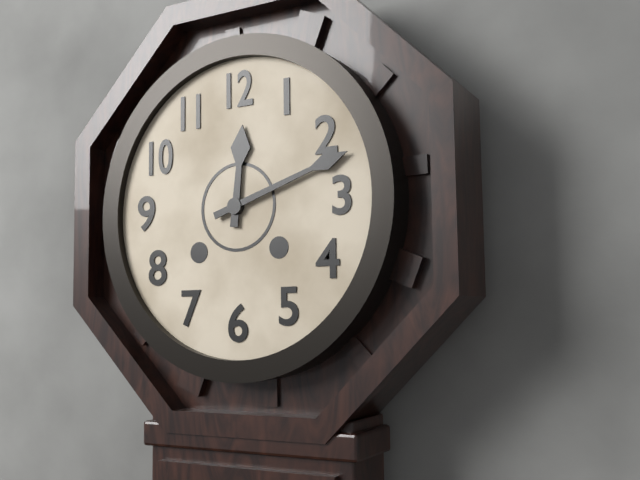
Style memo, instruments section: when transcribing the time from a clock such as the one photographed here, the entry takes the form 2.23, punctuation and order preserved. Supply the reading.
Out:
12.12
